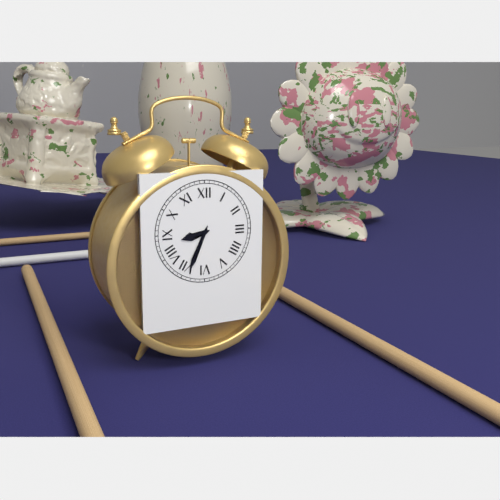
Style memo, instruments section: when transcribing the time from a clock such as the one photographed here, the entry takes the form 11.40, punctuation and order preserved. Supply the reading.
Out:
8.34
